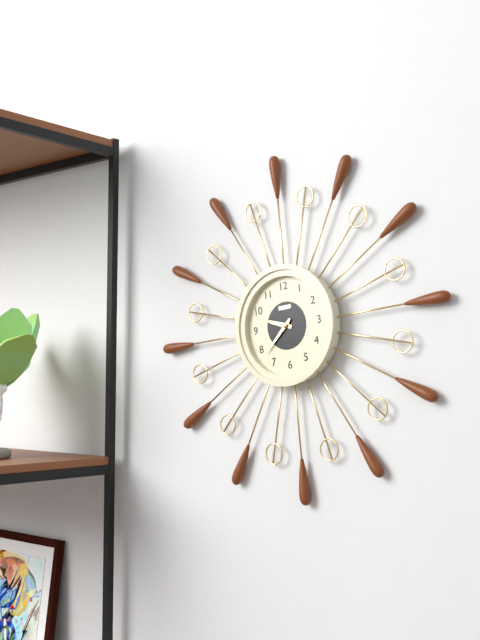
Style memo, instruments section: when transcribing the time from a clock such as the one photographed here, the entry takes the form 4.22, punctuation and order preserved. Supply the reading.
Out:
9.38
